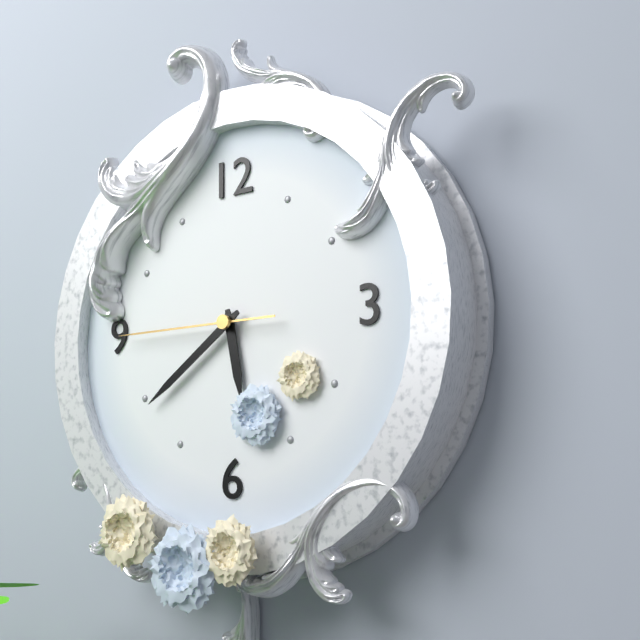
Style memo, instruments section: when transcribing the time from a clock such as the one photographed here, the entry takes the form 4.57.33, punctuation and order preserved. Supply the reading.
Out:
5.39.45
